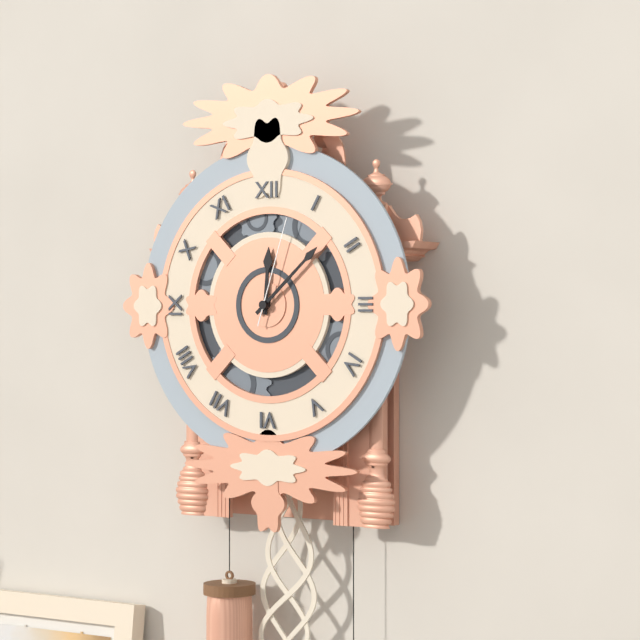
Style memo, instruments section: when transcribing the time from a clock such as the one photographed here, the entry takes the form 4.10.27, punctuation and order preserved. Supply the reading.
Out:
12.08.03
